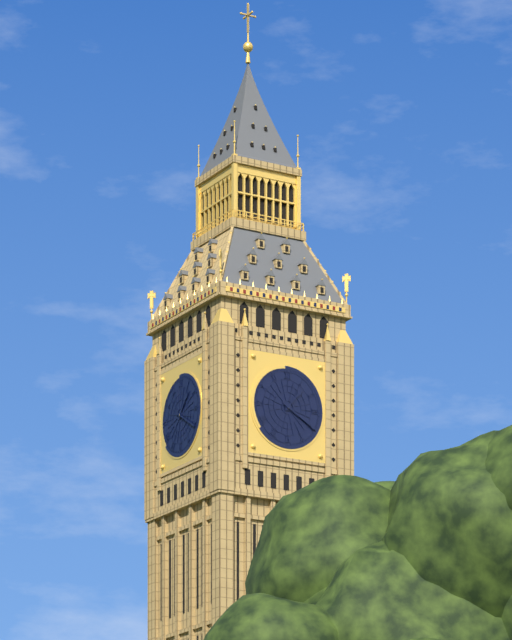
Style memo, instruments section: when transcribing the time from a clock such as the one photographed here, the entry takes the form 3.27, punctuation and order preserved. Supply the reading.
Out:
1.20
